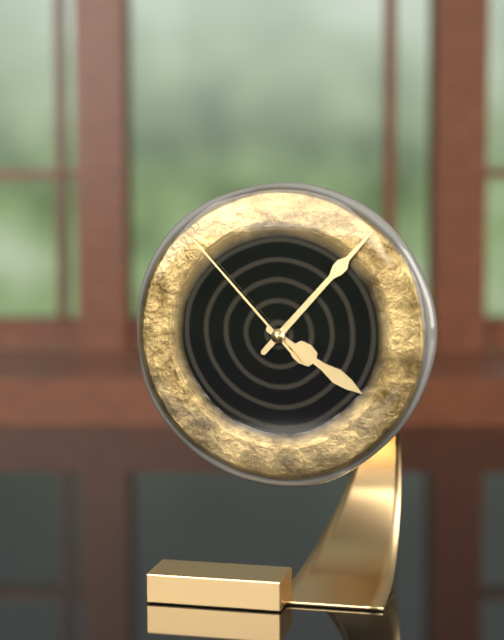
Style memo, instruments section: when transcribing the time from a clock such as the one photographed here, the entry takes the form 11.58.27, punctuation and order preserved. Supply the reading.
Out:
4.07.53
